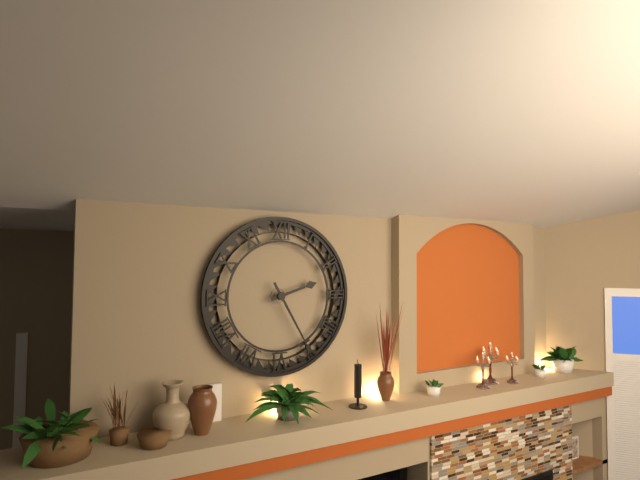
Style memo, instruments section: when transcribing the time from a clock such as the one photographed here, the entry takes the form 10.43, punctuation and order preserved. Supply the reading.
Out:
2.25
